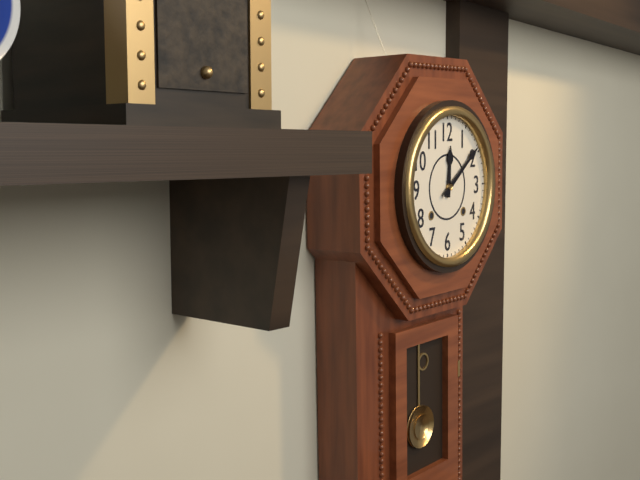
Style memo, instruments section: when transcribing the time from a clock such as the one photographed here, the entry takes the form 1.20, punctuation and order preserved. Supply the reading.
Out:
12.09
